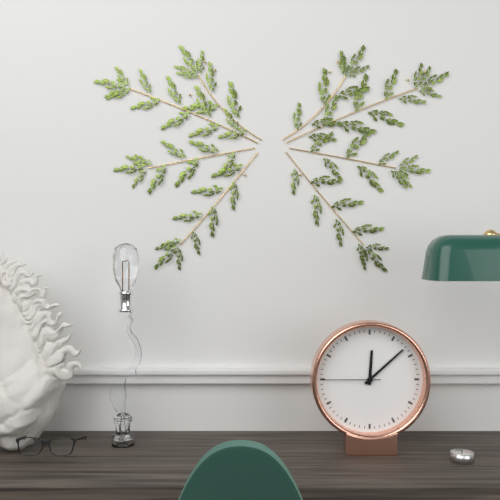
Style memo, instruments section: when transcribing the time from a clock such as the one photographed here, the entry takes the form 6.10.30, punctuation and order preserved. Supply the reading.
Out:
12.08.45
